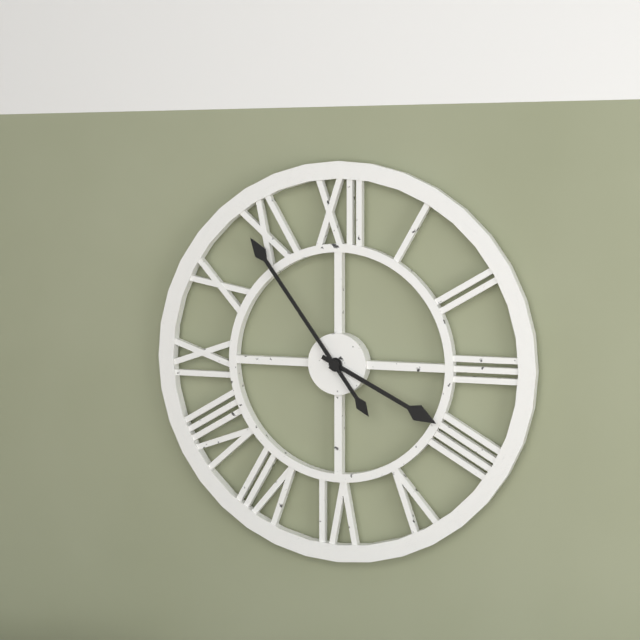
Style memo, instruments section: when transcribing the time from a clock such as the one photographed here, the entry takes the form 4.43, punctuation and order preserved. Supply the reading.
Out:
3.54
